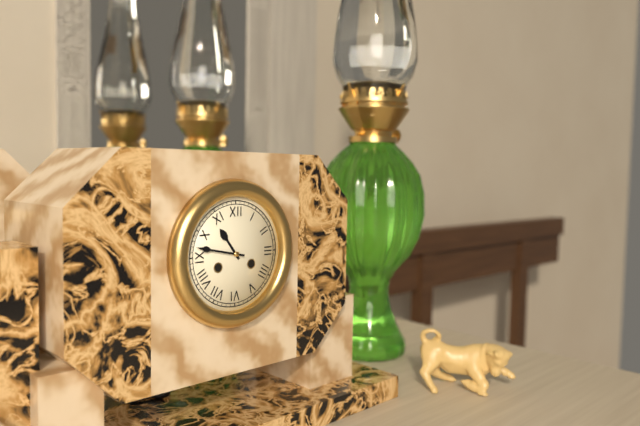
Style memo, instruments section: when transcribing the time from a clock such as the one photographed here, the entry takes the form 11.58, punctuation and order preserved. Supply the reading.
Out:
10.47
